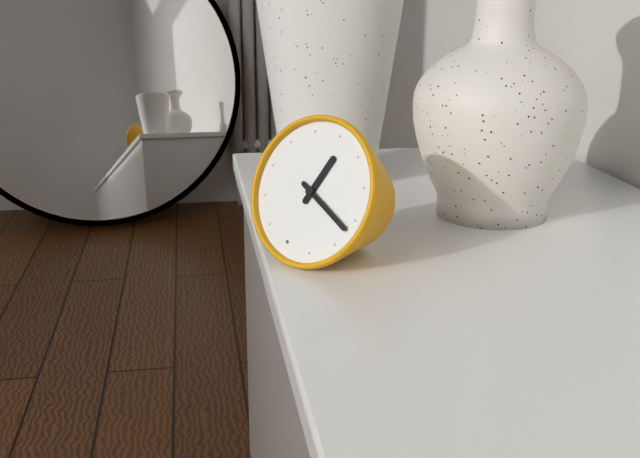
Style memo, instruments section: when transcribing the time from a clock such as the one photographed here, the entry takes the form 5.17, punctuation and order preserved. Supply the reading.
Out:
12.17
